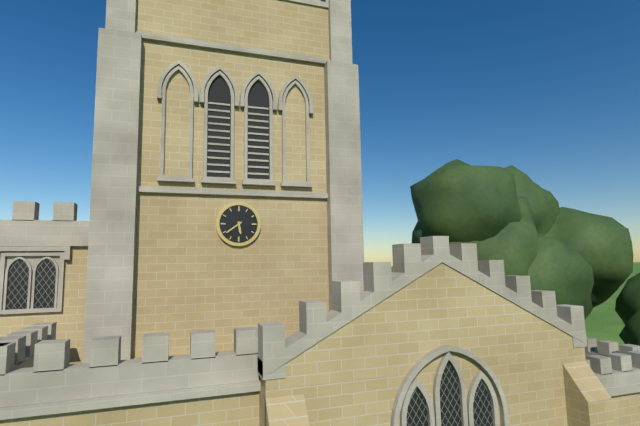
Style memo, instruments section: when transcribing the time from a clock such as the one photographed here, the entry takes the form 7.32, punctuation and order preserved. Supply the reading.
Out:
5.39
